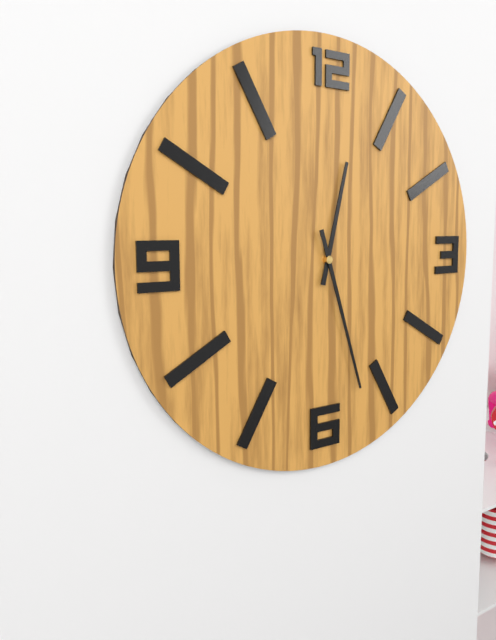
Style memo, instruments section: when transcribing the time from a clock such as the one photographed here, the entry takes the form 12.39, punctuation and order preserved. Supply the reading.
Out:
12.27
